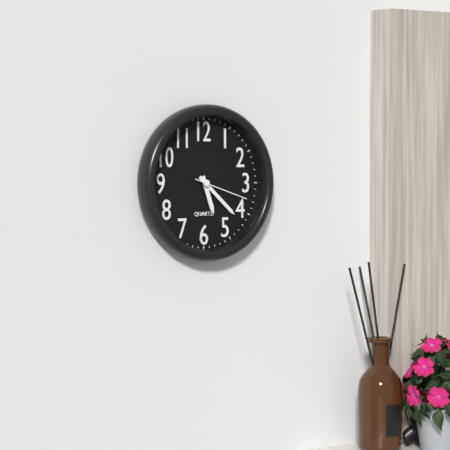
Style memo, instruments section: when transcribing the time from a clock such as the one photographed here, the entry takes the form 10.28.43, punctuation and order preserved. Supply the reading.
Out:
5.22.18
